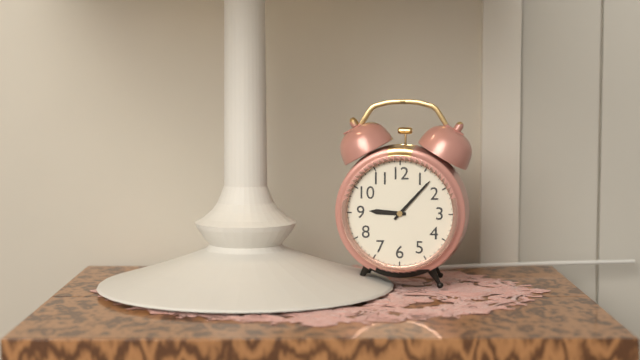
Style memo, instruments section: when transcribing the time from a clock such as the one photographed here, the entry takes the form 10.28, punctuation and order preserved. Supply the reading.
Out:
9.07
